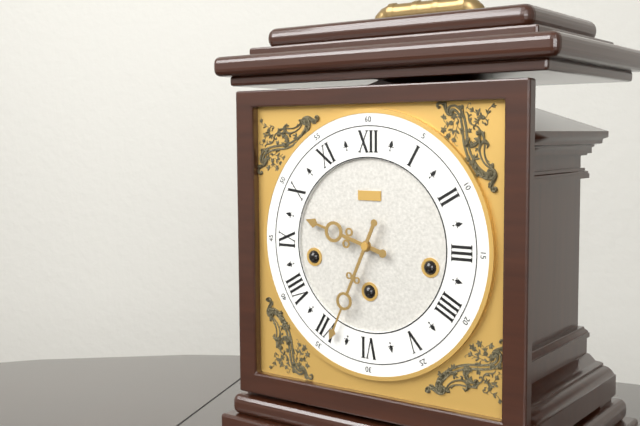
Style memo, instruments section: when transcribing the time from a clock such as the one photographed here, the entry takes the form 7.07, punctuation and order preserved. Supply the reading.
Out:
9.34
